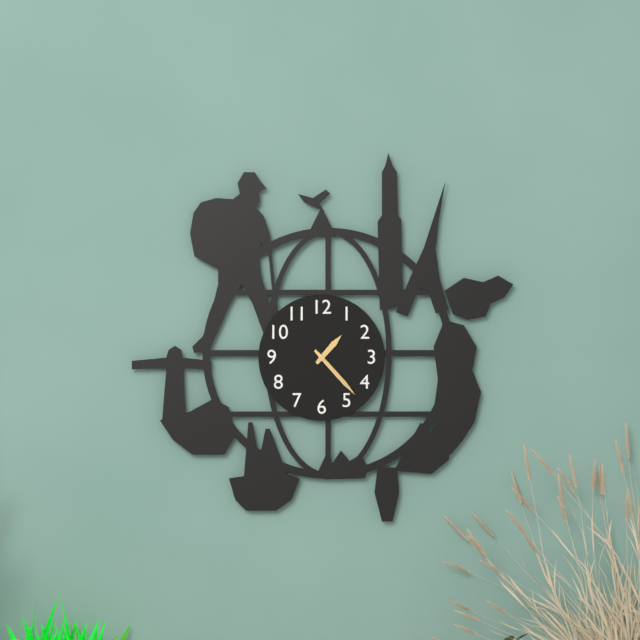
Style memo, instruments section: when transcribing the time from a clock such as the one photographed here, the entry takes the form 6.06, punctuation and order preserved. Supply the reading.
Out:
1.23
